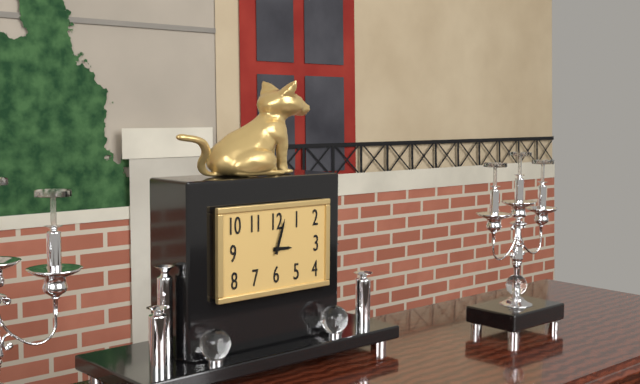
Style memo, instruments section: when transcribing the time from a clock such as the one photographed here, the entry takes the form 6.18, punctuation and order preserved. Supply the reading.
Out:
3.03
